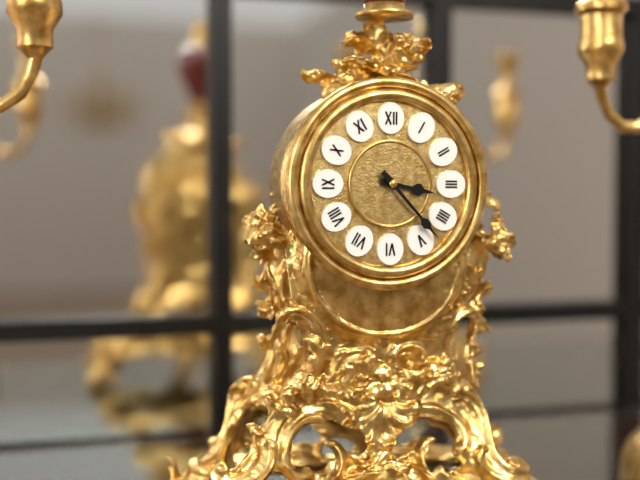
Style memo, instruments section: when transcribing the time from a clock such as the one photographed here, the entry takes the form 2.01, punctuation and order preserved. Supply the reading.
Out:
3.23
